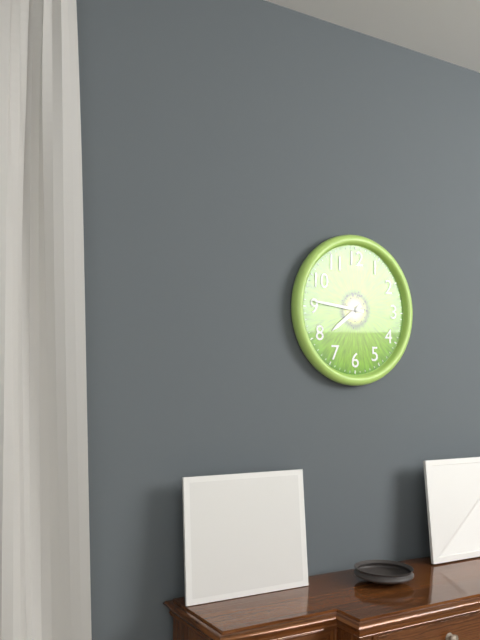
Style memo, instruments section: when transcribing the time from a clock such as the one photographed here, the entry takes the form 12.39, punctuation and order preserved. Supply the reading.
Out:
7.46
